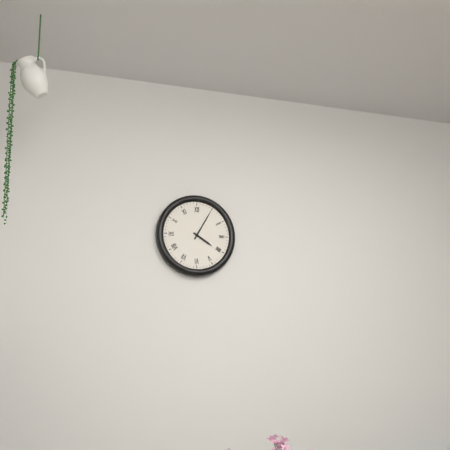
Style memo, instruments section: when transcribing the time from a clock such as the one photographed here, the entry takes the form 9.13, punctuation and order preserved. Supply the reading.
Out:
4.05
